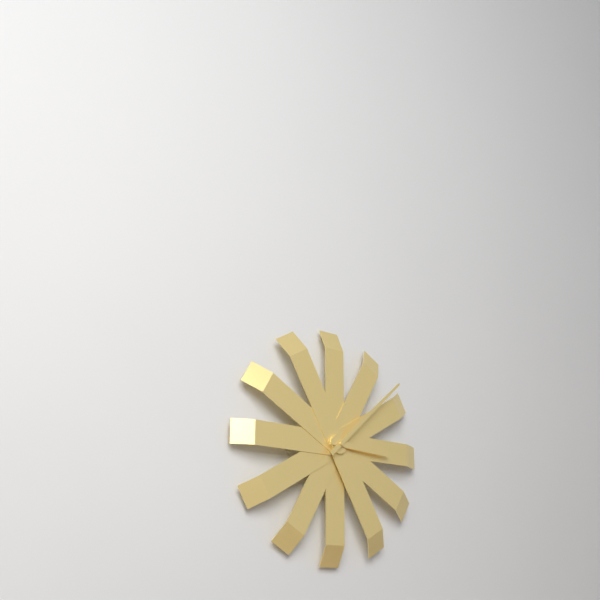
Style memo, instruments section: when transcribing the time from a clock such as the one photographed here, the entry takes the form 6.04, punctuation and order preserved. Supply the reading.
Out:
3.08
